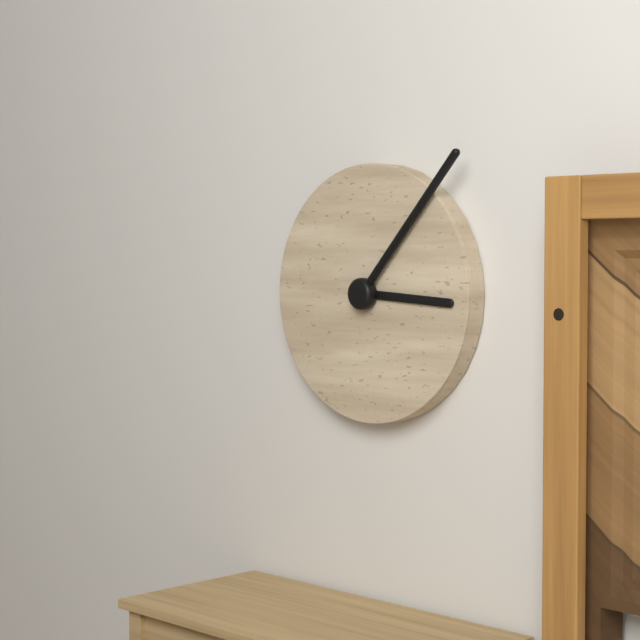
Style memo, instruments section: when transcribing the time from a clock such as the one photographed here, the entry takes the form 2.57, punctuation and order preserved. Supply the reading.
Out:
3.07
